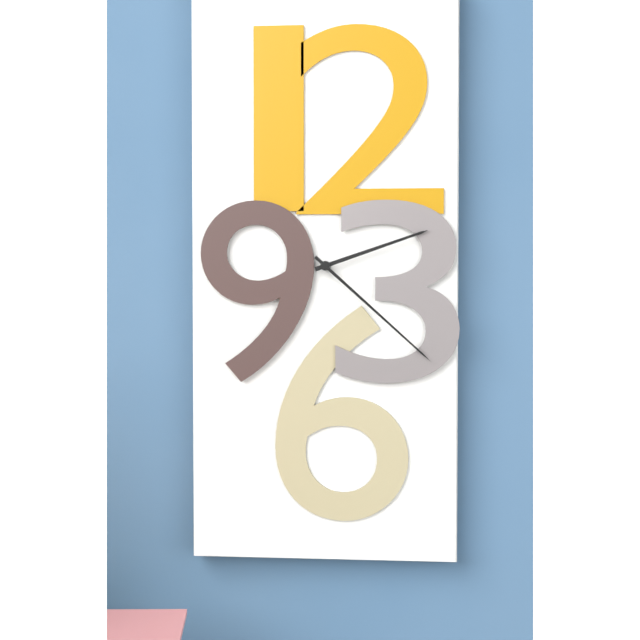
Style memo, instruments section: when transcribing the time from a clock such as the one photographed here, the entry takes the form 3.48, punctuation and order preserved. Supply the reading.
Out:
2.22
